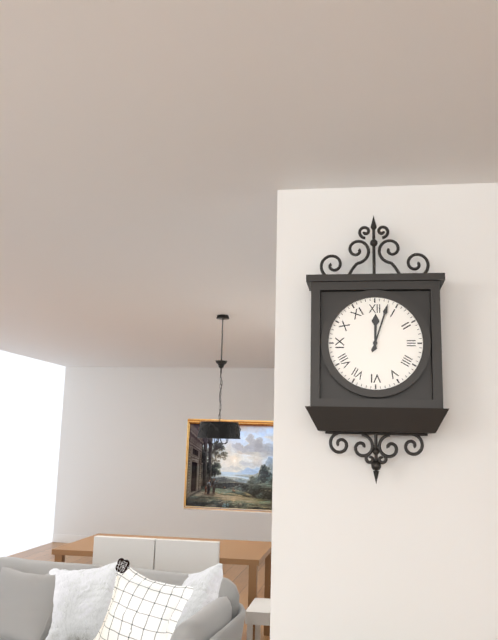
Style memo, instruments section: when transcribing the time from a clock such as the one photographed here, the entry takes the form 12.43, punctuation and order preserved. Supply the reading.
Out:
12.03
